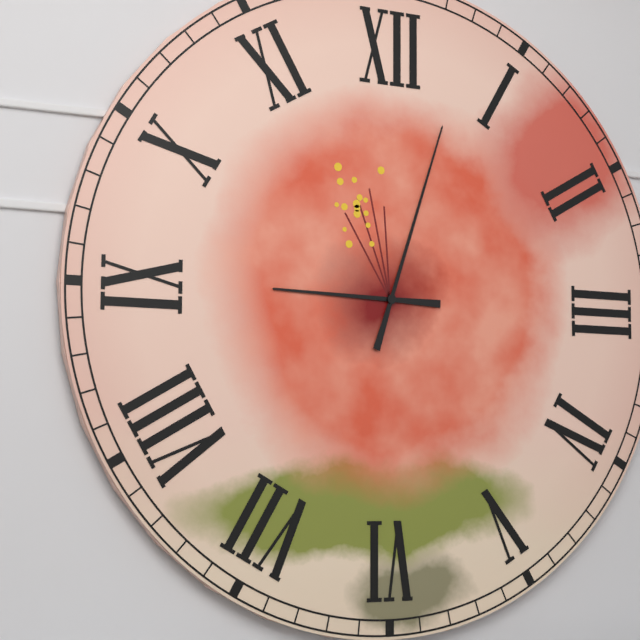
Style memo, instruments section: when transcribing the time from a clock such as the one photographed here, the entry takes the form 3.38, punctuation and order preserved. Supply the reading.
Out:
9.03
